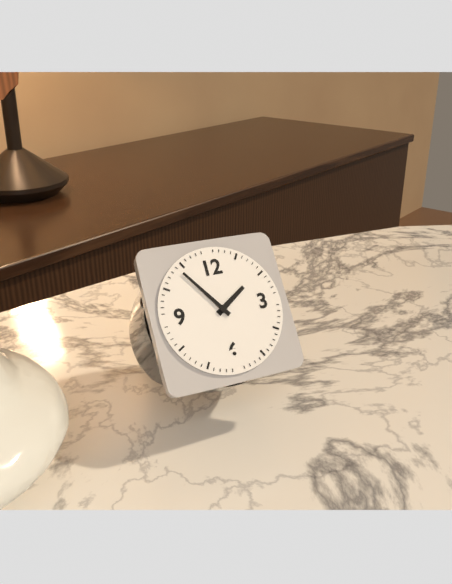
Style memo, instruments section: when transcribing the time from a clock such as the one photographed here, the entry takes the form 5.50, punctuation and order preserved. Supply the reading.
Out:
1.54
